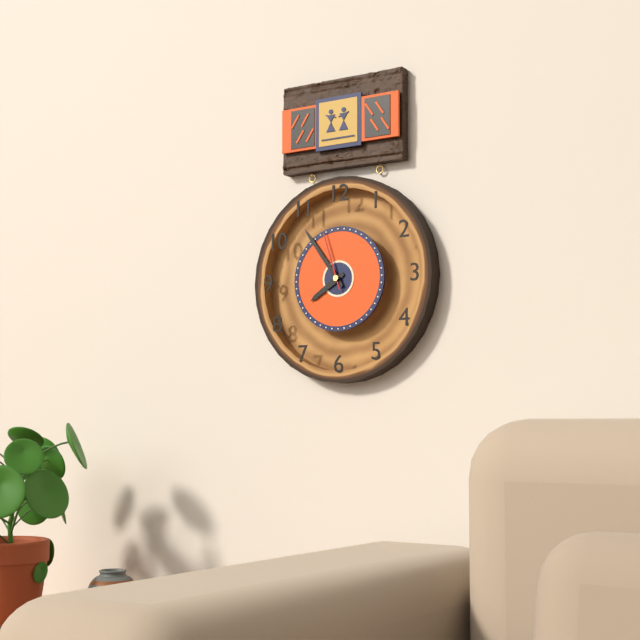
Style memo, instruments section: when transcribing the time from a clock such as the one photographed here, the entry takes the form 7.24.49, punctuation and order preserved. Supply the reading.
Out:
7.54.57
